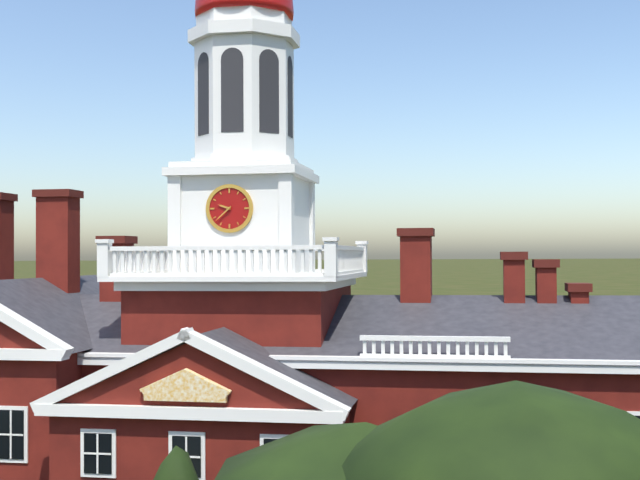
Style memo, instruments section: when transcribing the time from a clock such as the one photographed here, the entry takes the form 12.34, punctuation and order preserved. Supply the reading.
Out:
9.38
